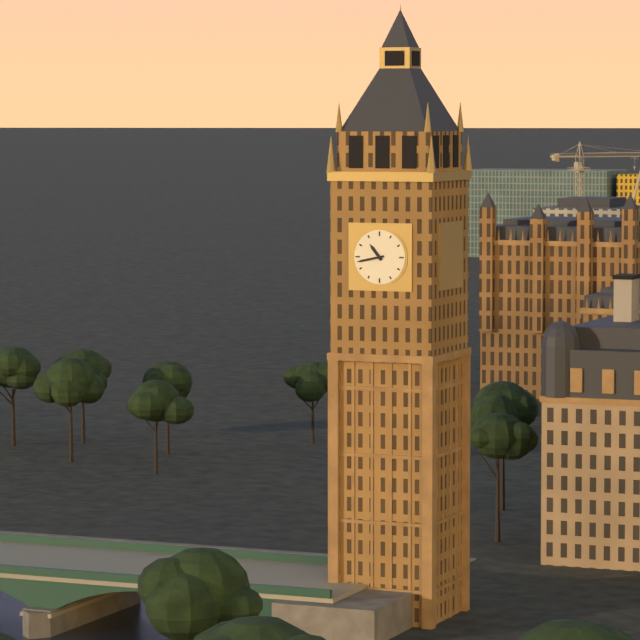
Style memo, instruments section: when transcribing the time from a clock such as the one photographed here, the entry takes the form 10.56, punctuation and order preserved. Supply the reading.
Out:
10.43
